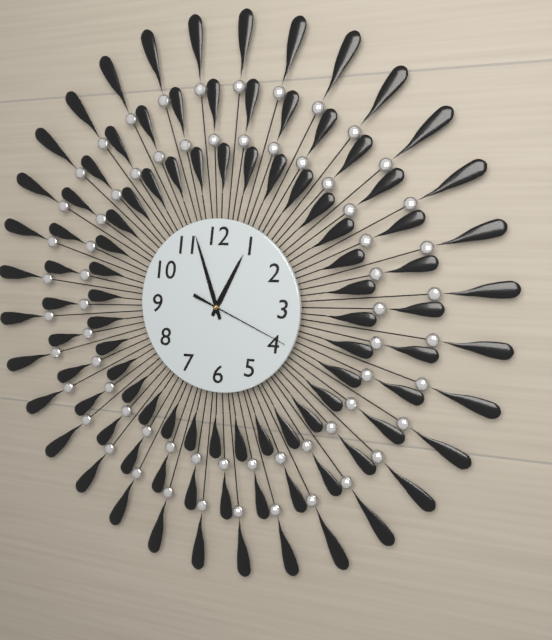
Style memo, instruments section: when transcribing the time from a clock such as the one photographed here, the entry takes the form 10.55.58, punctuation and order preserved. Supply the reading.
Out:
12.57.19
